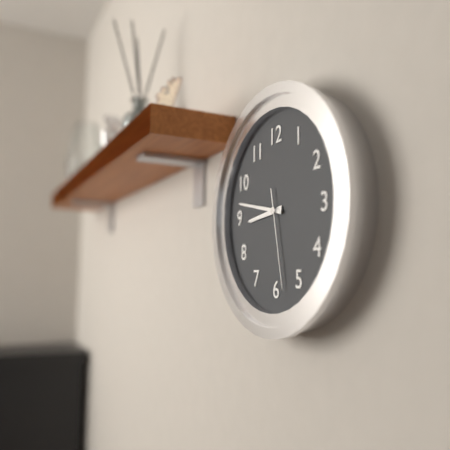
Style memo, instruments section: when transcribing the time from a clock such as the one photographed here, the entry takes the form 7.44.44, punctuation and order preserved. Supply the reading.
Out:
8.47.28
